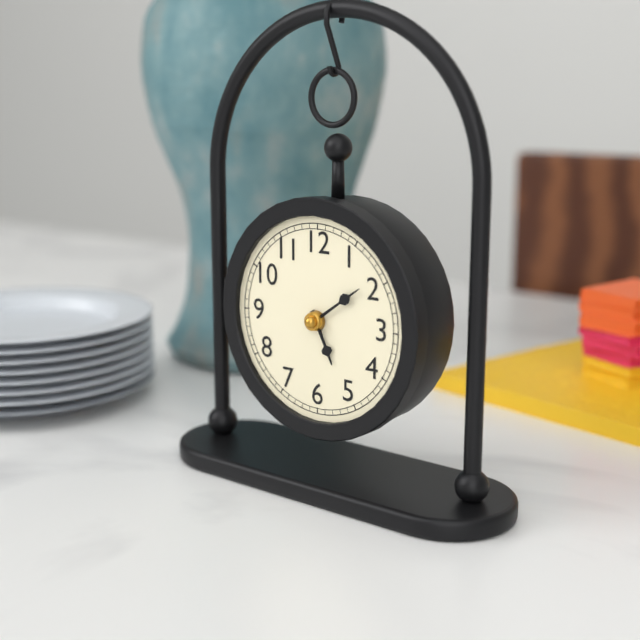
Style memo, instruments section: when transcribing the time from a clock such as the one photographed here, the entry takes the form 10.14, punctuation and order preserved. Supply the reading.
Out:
5.09
